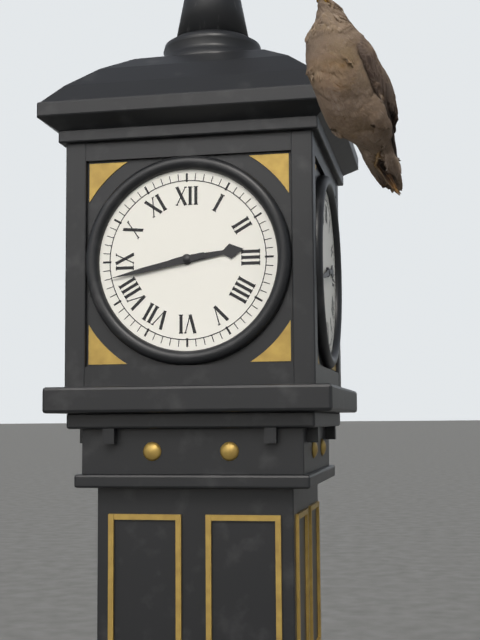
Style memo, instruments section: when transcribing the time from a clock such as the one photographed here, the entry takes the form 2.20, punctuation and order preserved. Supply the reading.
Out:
2.43
